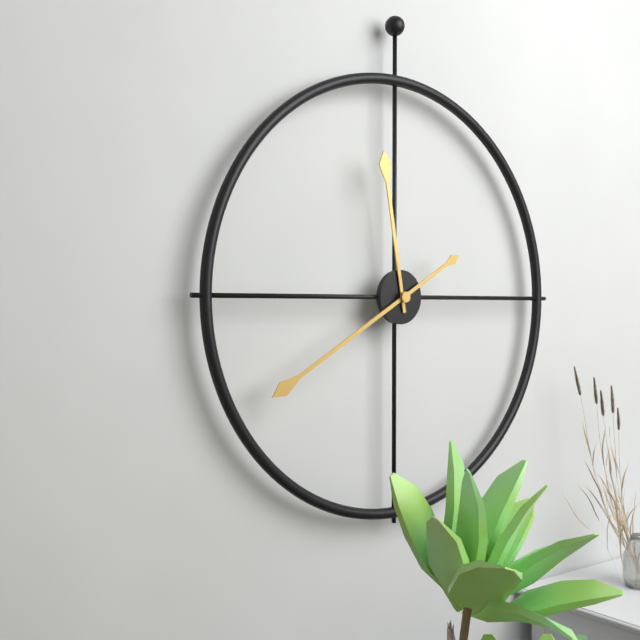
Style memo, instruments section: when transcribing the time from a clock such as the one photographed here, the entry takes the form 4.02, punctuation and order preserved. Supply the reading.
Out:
11.40
